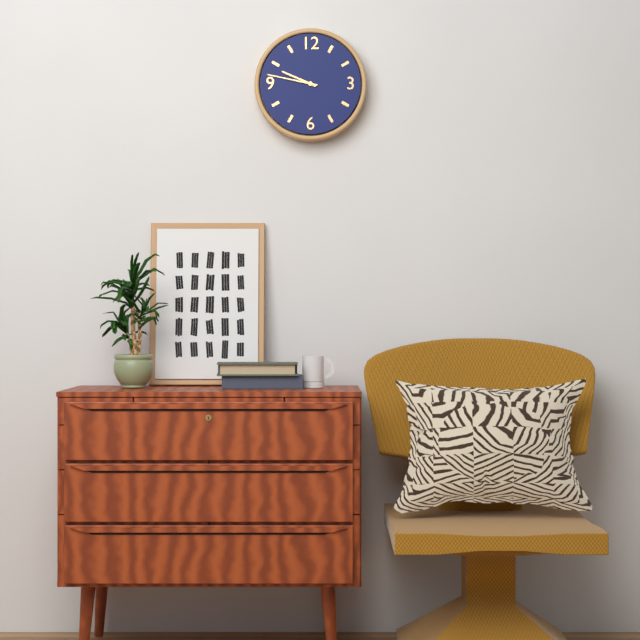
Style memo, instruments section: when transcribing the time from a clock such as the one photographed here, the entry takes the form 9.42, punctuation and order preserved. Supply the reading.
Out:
9.47
